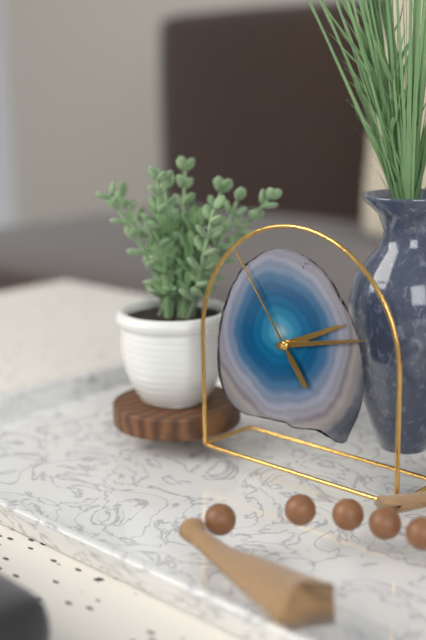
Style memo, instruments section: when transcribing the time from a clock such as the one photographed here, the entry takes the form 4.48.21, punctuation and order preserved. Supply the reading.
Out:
2.13.54
